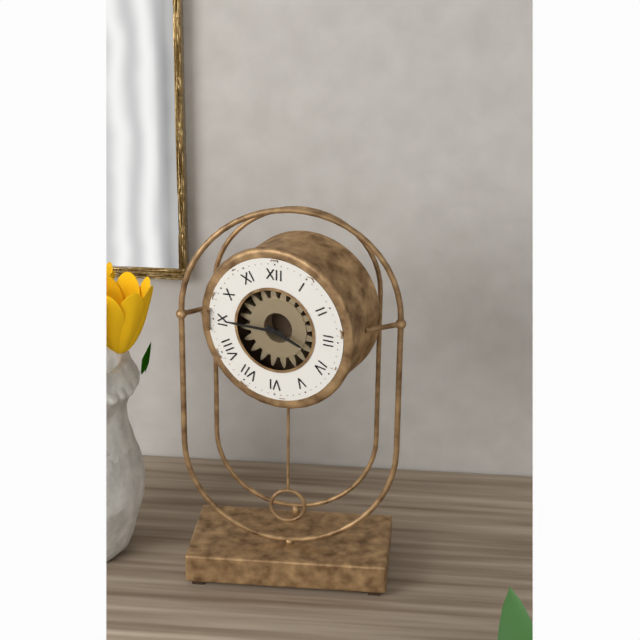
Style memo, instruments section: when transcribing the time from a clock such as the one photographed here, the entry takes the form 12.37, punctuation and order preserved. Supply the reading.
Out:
3.45
